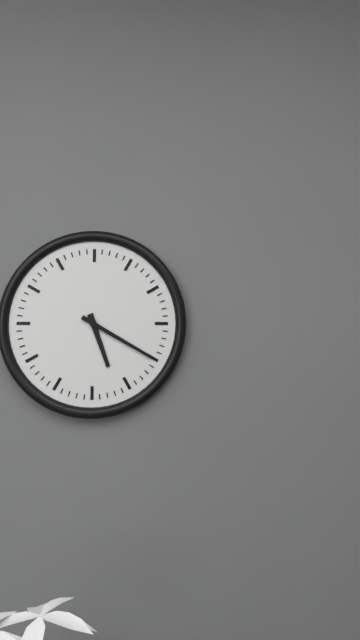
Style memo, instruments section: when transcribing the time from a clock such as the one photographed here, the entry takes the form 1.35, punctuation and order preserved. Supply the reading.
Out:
5.20
